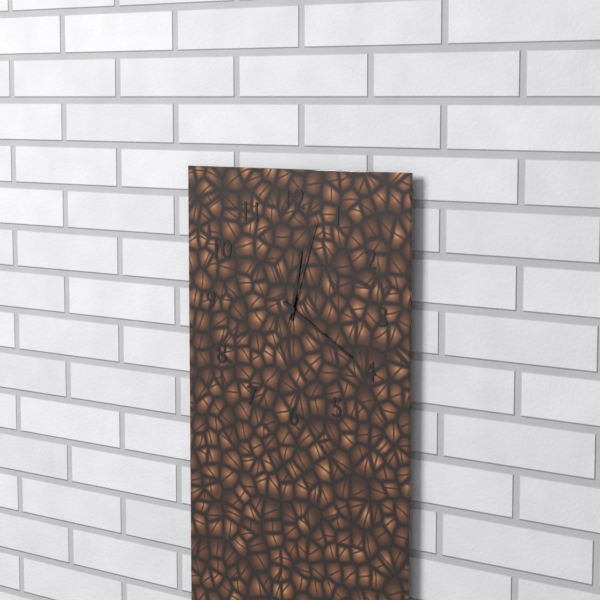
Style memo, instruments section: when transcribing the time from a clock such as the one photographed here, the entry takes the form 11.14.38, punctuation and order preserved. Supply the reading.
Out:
12.20.03
